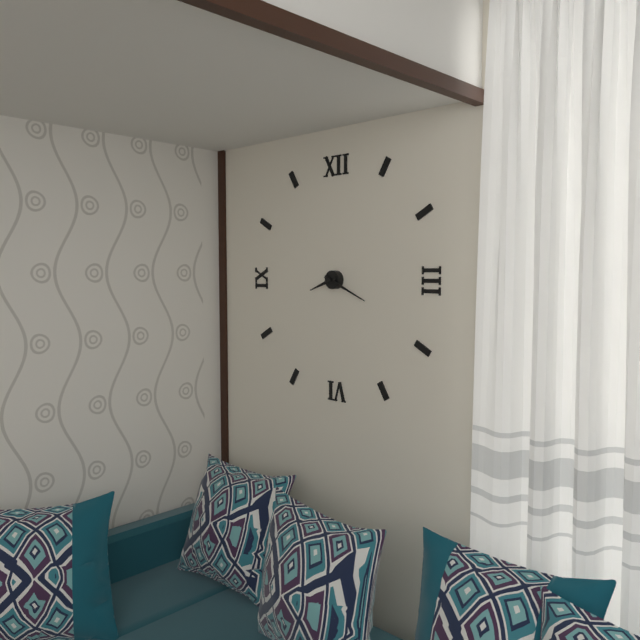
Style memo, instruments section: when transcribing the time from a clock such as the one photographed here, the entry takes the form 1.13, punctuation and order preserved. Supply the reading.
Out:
8.19
